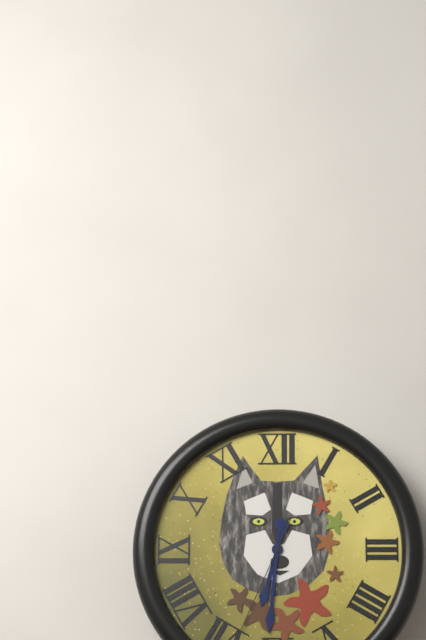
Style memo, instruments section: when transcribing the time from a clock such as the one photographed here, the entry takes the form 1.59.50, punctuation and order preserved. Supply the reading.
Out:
6.31.34
